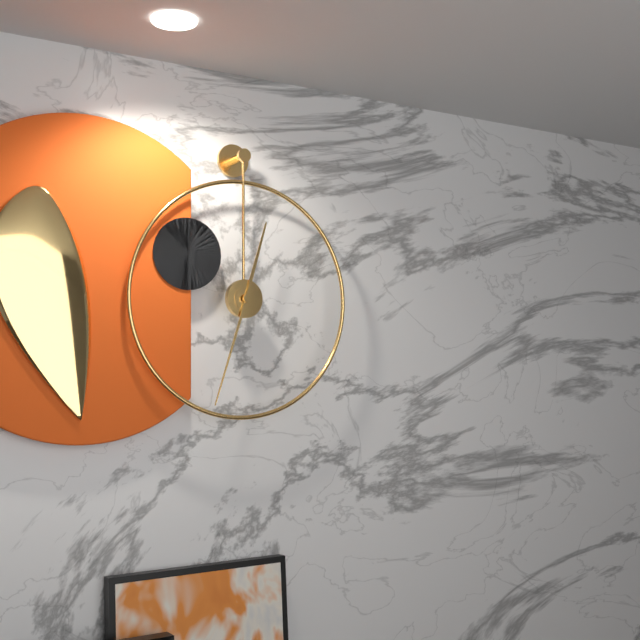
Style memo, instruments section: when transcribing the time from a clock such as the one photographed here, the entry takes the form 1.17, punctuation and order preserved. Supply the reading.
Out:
12.33
